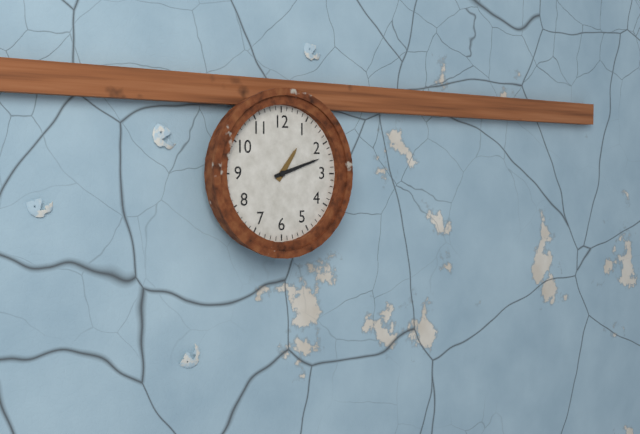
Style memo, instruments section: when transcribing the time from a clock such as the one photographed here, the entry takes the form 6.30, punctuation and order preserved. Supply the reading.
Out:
1.12
